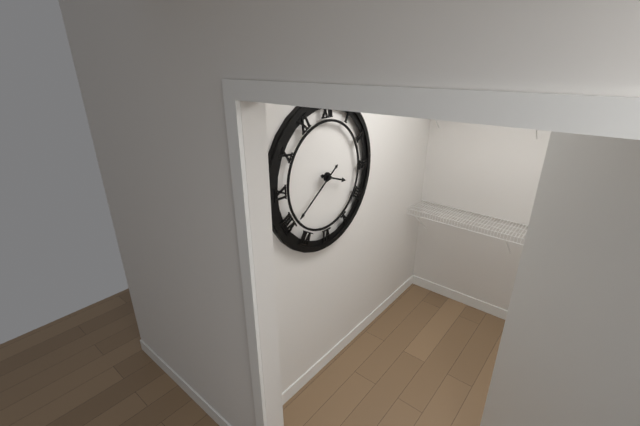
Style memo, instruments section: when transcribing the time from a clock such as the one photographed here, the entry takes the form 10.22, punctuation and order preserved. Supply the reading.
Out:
3.39
